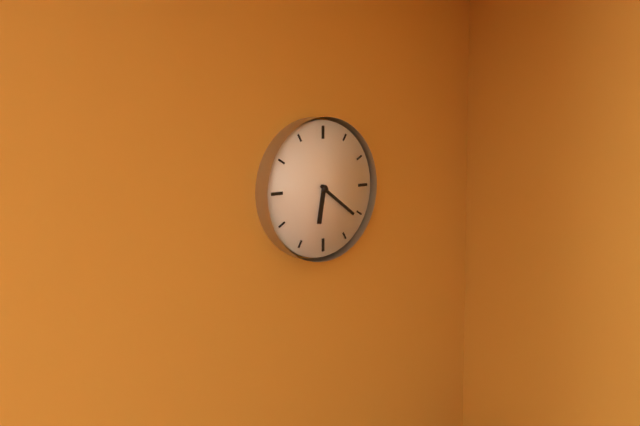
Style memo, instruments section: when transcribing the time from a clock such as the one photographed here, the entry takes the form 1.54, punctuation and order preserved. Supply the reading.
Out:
6.21
